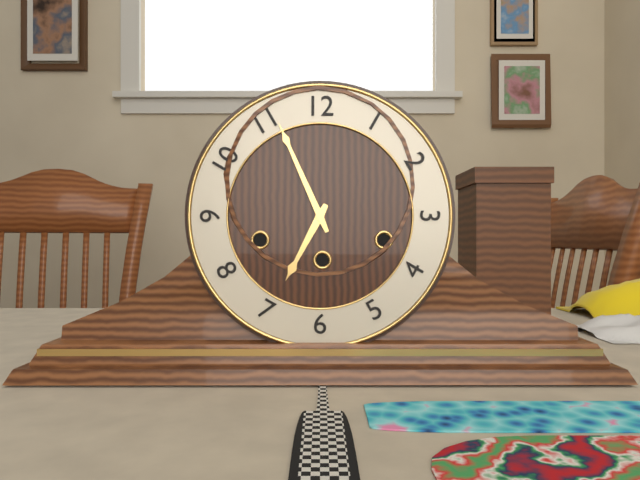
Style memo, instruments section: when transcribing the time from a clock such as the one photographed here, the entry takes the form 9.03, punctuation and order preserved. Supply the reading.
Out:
6.56
